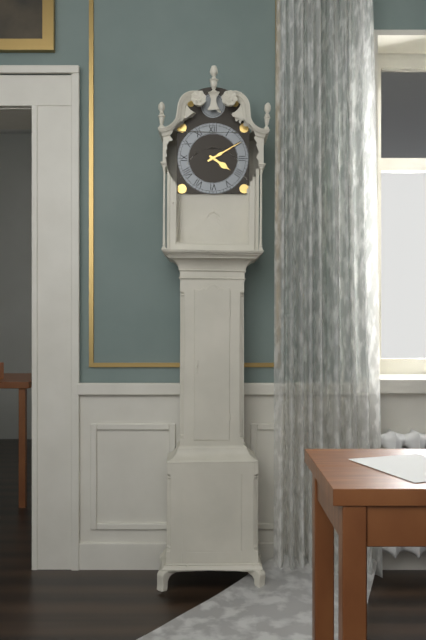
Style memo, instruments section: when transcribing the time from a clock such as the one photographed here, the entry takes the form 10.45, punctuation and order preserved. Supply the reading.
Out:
4.10
